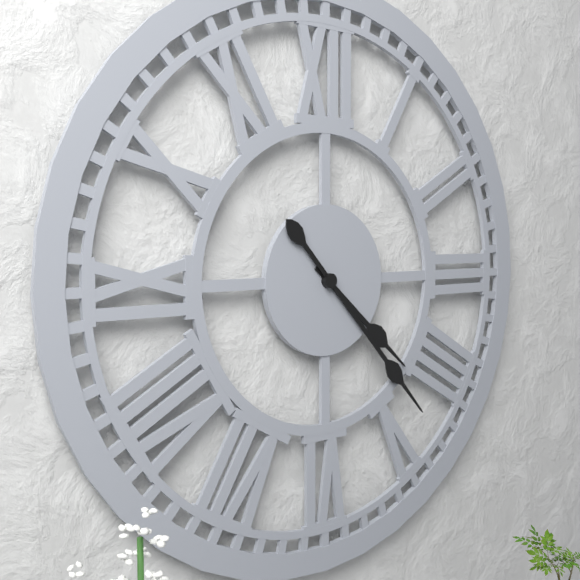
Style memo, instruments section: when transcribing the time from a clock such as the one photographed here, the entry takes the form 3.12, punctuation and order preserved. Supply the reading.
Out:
4.23
